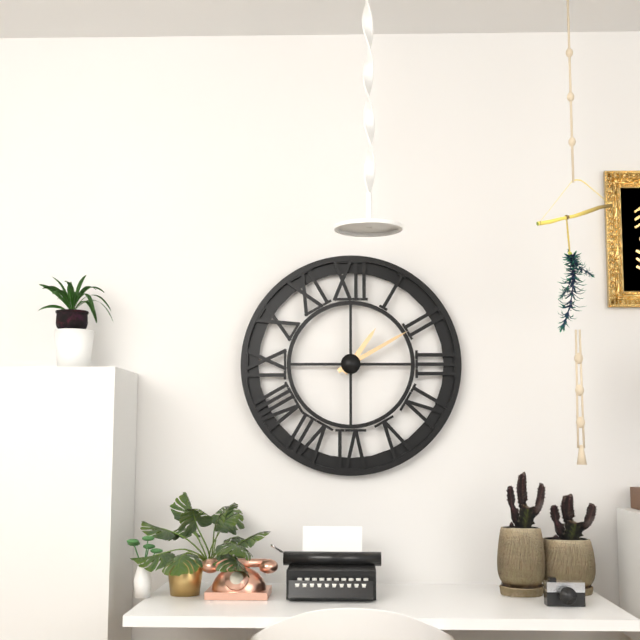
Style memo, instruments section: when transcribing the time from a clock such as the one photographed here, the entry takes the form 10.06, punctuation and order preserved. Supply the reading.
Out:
1.10
